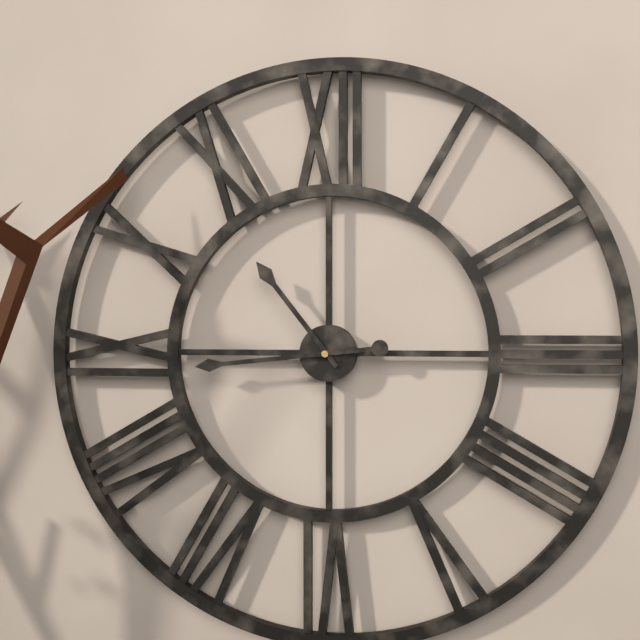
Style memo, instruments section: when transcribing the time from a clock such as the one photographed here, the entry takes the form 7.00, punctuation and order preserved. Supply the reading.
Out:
10.44
